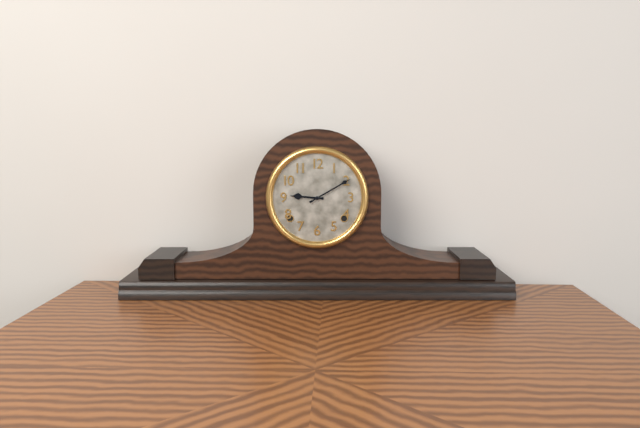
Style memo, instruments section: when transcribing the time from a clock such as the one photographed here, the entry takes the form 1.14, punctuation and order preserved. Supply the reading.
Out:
9.10
